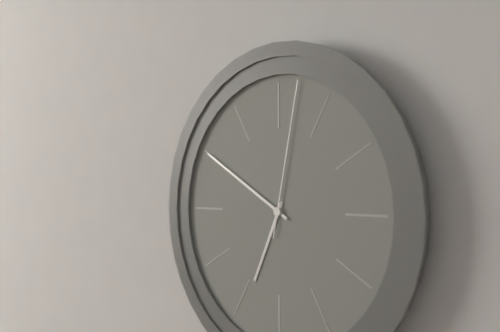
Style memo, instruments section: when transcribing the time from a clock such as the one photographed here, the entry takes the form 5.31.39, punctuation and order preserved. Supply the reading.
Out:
6.50.02
